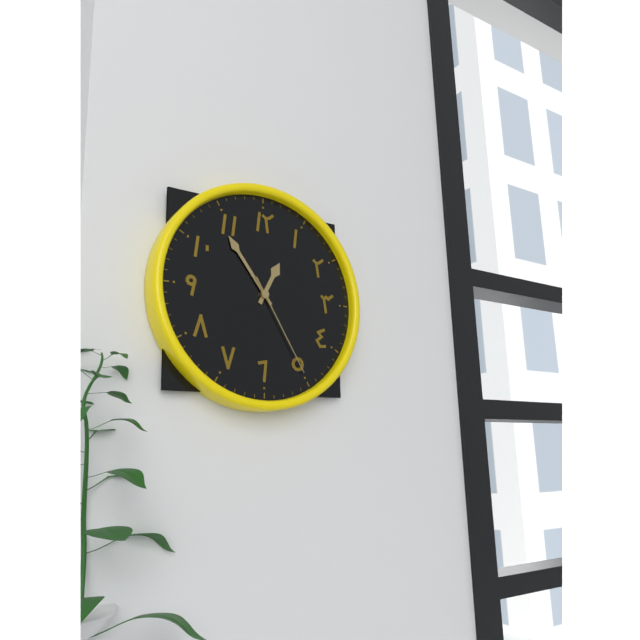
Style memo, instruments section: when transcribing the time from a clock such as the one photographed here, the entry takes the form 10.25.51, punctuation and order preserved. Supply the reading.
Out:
12.54.25
